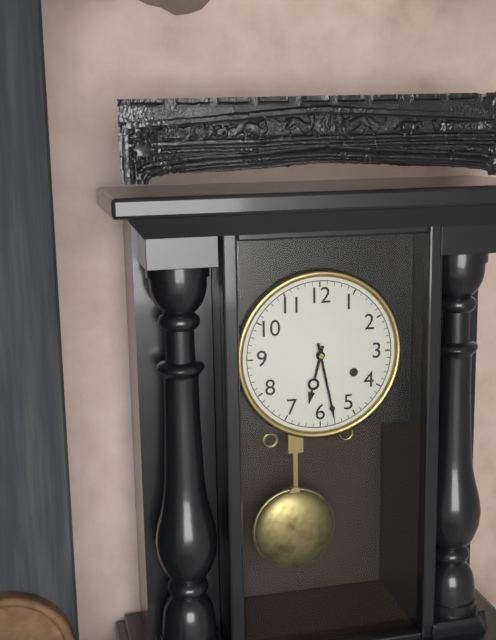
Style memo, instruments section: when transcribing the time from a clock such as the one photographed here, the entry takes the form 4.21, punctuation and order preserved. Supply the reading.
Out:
6.28
